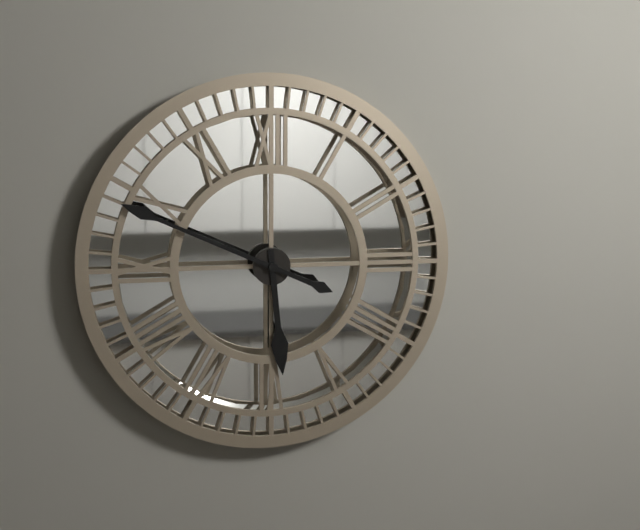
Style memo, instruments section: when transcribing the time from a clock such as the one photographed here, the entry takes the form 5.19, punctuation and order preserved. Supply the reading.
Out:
5.49
